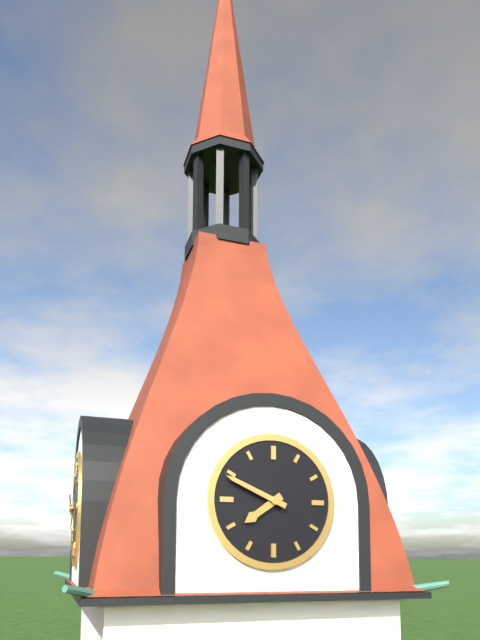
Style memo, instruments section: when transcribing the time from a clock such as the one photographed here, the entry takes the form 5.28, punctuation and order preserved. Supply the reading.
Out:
7.49
